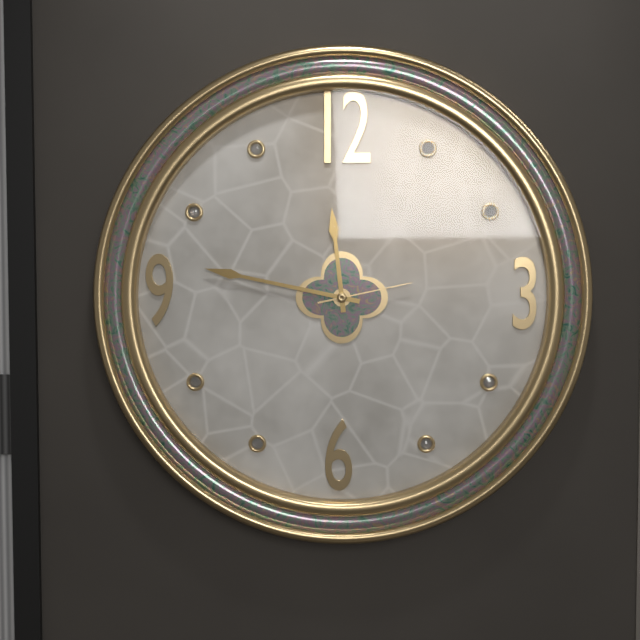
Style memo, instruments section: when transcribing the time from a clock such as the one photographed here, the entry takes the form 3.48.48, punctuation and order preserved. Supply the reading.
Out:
11.47.13
